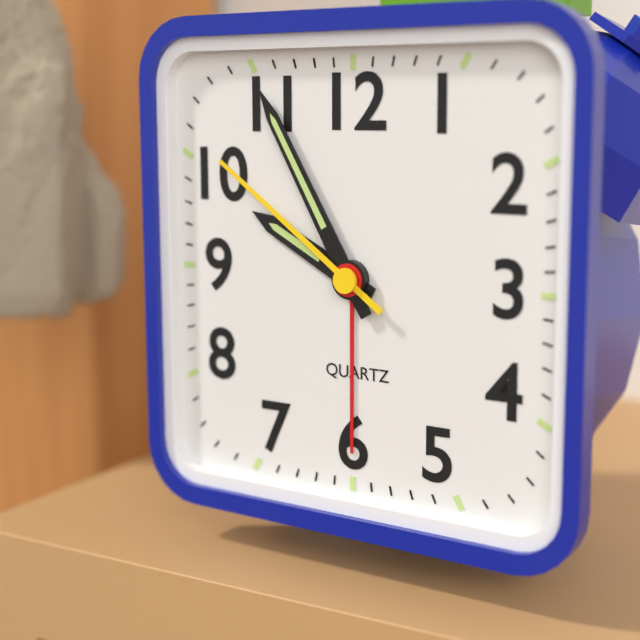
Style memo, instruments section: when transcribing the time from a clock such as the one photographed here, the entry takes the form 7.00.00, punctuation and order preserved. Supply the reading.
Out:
9.55.51
